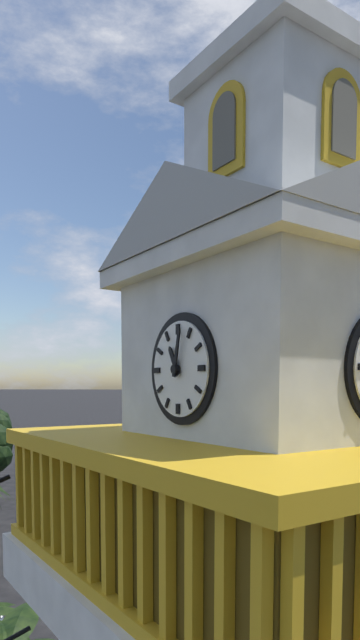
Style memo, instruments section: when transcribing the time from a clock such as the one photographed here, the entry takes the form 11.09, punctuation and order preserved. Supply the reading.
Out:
11.02
